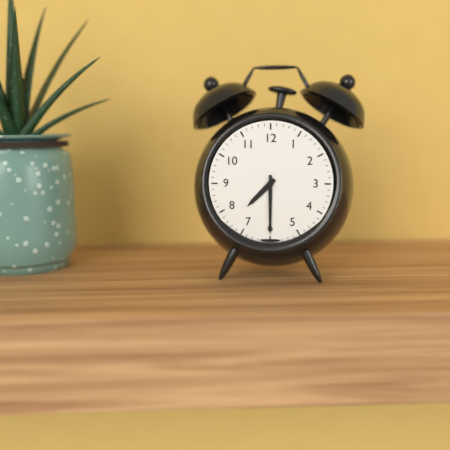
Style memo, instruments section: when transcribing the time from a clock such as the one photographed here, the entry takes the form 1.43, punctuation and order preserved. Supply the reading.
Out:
7.30
